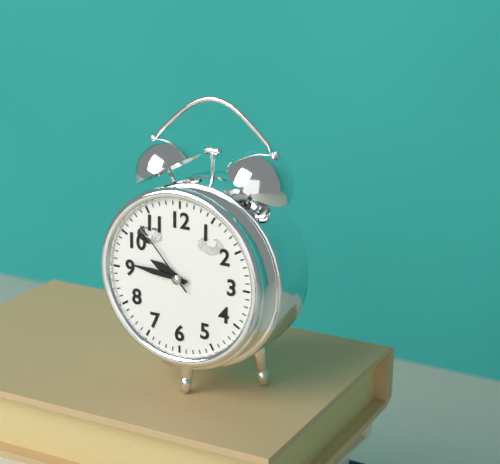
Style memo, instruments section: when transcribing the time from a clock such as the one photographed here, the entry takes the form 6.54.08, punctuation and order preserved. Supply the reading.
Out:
9.46.53
